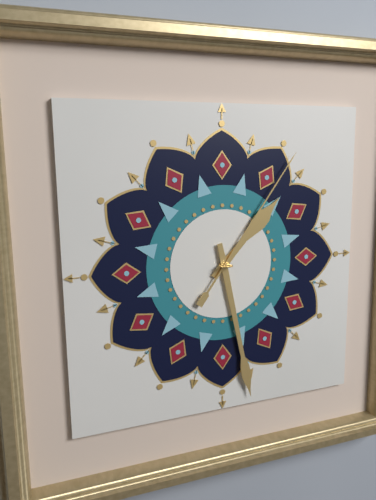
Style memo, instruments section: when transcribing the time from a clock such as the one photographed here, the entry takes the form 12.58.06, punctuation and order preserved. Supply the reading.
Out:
1.28.06
